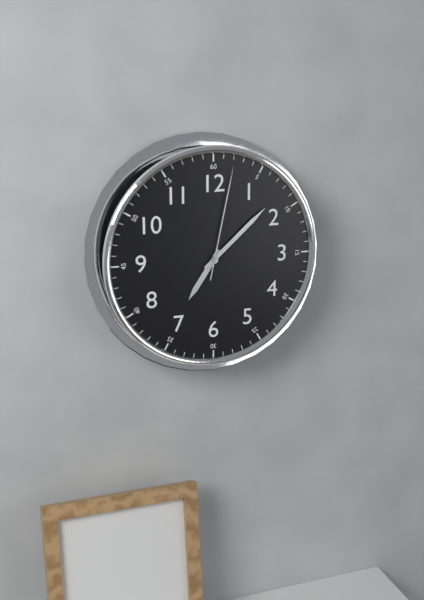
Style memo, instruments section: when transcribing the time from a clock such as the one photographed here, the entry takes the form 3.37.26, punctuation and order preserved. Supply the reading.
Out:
7.08.02
